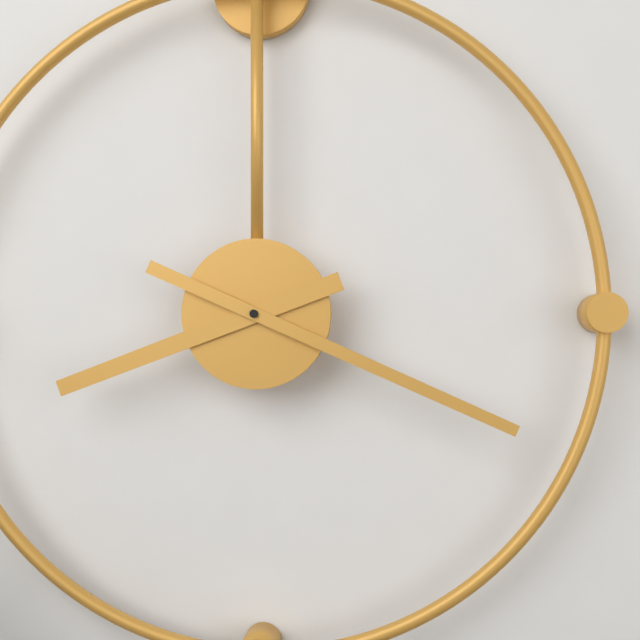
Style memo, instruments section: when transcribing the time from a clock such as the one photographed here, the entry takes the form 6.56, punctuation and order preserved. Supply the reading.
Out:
8.19
